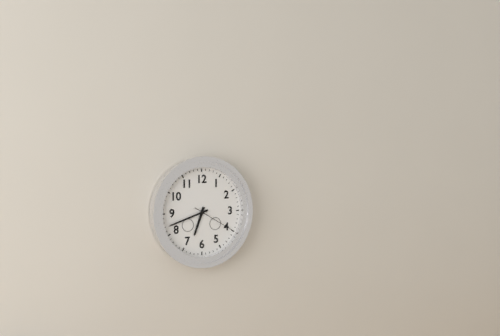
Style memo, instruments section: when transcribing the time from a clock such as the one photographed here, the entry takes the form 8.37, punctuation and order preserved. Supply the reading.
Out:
6.42
